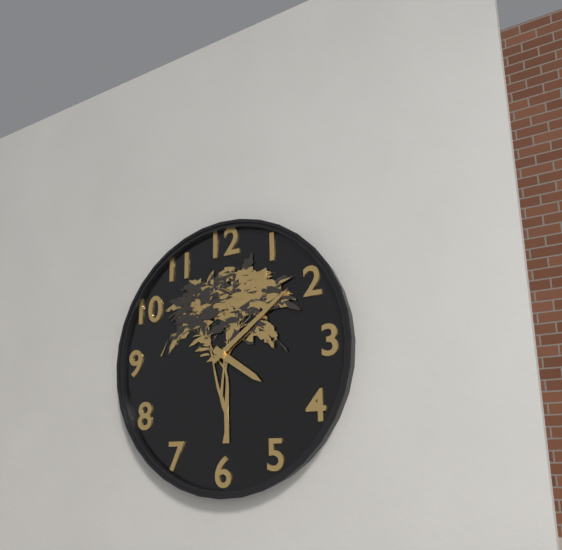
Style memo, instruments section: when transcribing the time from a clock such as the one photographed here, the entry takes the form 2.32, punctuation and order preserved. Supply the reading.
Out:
4.09
